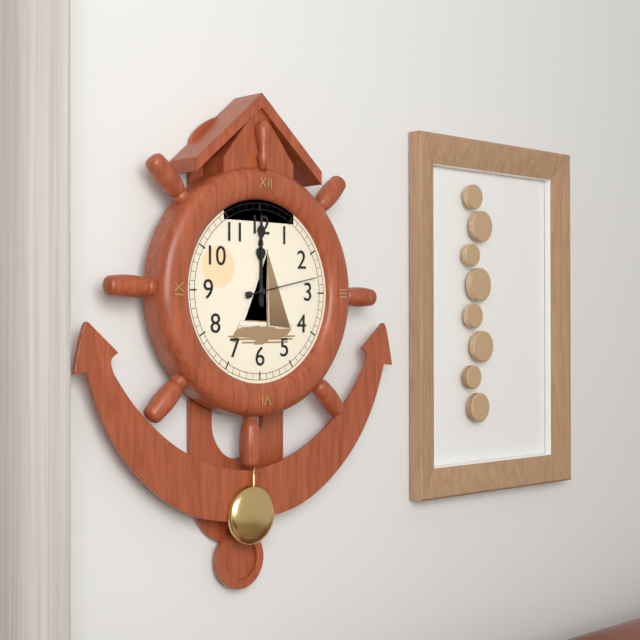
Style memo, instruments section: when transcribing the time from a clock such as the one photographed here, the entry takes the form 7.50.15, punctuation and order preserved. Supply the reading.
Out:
12.00.13
